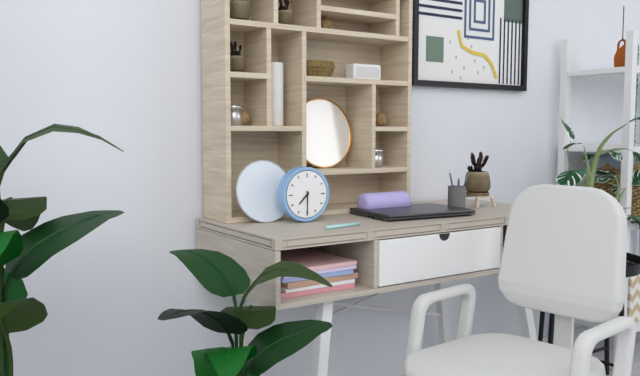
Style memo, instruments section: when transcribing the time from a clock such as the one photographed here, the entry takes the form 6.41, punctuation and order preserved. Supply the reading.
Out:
7.30
